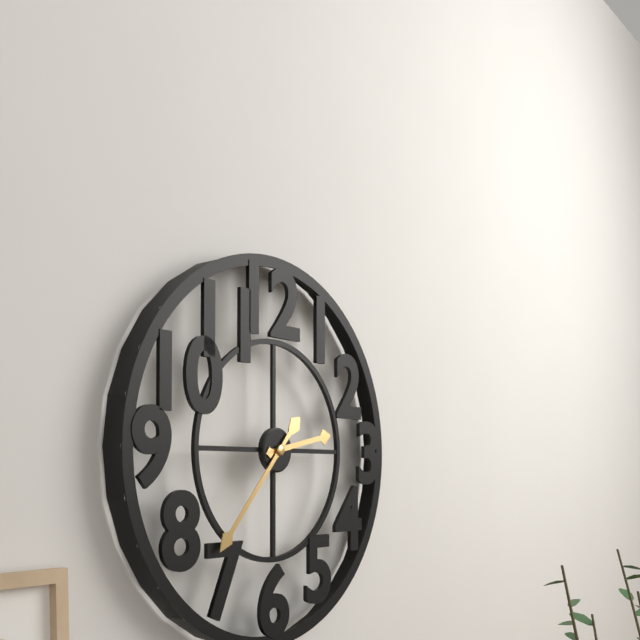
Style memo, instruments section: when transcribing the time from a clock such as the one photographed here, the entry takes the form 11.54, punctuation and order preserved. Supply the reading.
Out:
2.37
